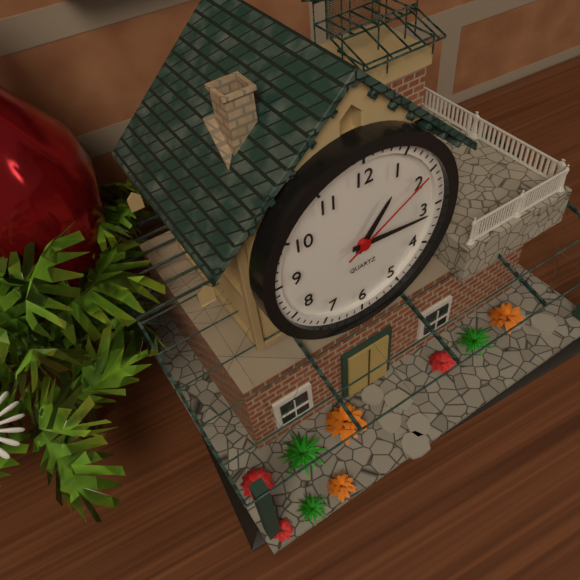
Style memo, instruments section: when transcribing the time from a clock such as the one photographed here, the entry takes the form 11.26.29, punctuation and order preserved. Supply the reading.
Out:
1.16.10
